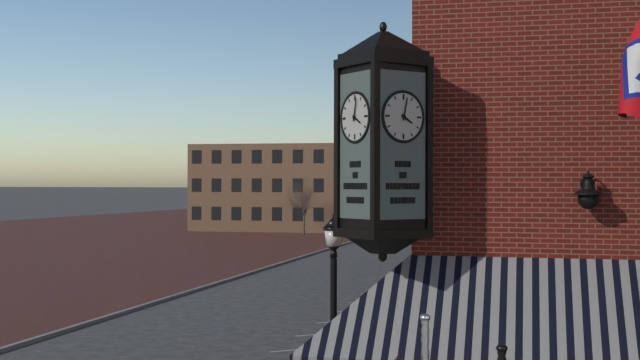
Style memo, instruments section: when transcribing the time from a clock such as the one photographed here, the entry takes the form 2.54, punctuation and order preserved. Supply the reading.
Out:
4.02
